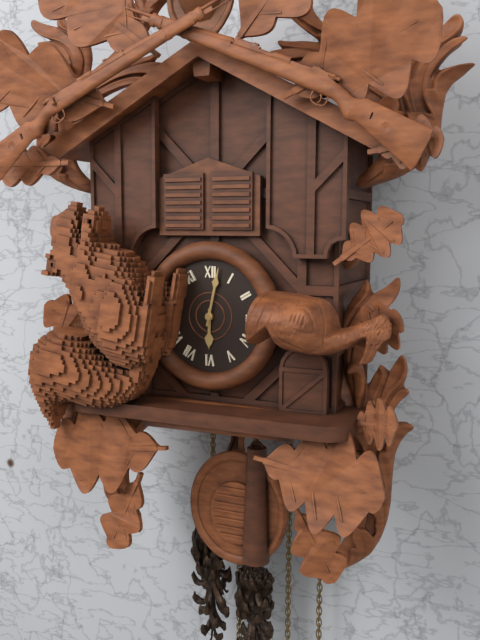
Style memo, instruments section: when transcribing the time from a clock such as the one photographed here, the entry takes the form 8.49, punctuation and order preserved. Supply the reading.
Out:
6.02
